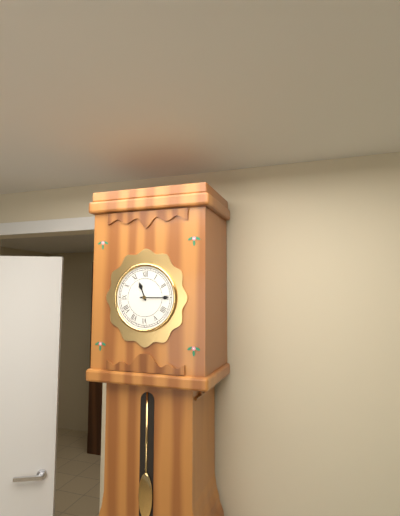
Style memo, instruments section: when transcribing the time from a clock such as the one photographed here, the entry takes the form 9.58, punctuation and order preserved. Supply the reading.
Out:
11.15
